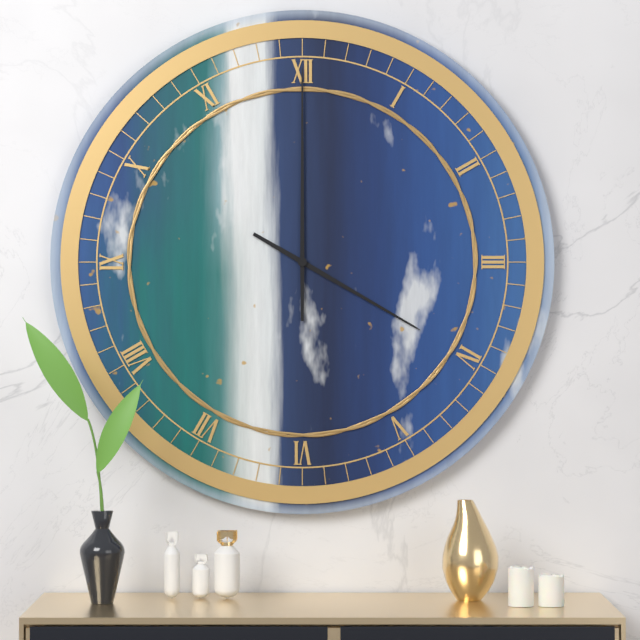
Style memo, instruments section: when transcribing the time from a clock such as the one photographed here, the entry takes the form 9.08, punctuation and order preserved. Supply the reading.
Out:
4.00
